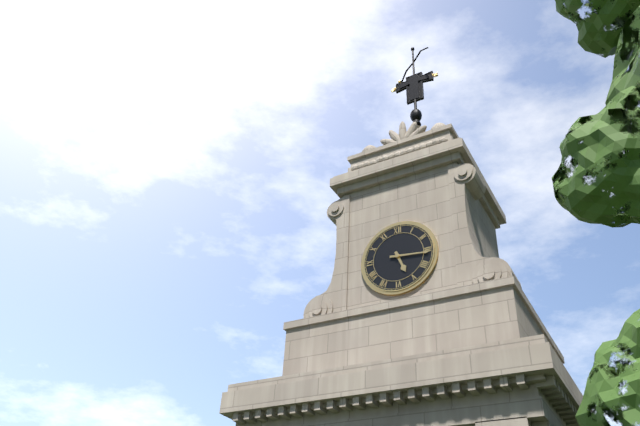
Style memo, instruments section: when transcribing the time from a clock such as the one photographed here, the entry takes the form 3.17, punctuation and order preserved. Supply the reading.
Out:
5.16
